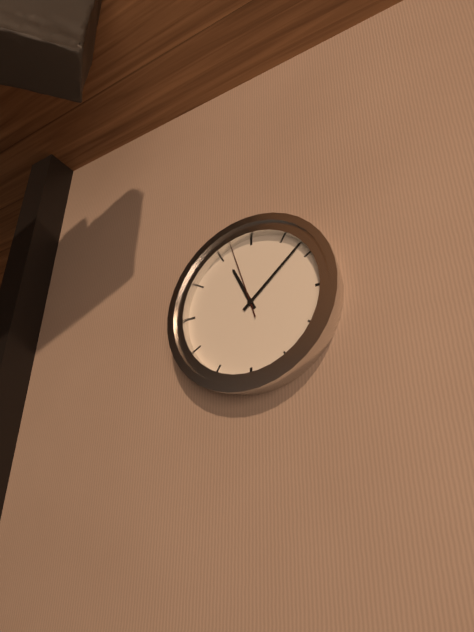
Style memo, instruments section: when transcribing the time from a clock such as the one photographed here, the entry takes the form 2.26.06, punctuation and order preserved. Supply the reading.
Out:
11.08.57
